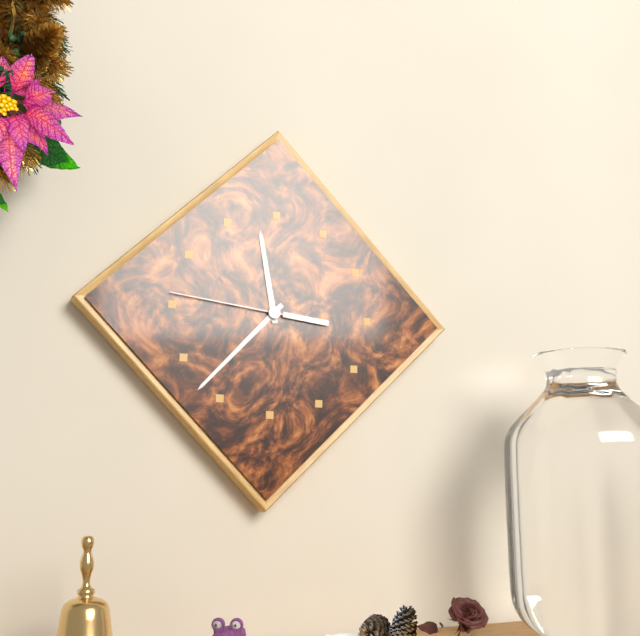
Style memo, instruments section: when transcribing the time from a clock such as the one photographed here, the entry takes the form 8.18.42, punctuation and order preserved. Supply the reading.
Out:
11.37.46
